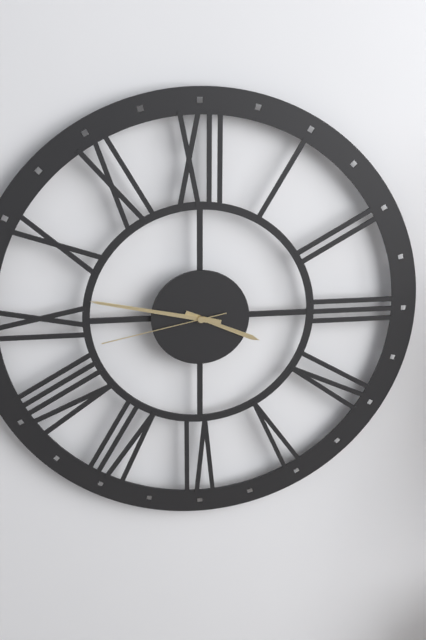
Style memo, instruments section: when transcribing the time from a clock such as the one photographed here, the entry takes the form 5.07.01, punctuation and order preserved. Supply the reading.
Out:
3.47.43
